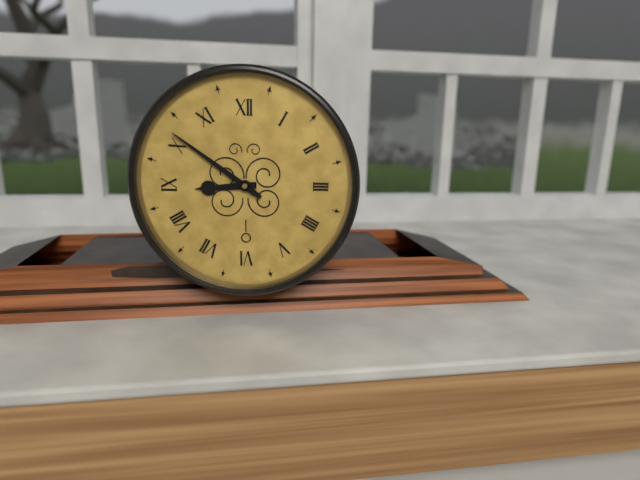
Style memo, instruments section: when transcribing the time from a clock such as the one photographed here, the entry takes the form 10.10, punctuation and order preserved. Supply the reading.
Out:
8.51
